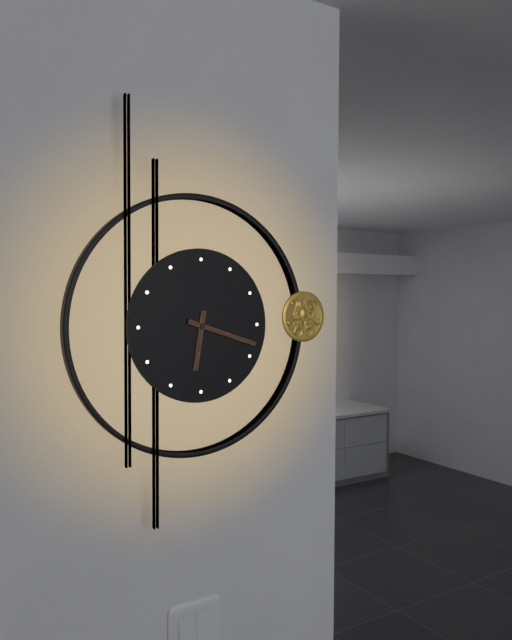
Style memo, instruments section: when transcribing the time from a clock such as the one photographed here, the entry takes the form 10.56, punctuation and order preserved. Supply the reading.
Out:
6.18
